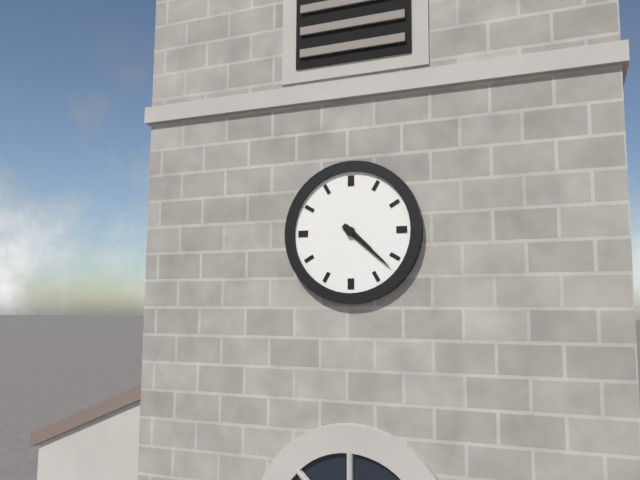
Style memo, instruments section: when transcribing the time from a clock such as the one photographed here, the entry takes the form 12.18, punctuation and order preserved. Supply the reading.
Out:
4.22
